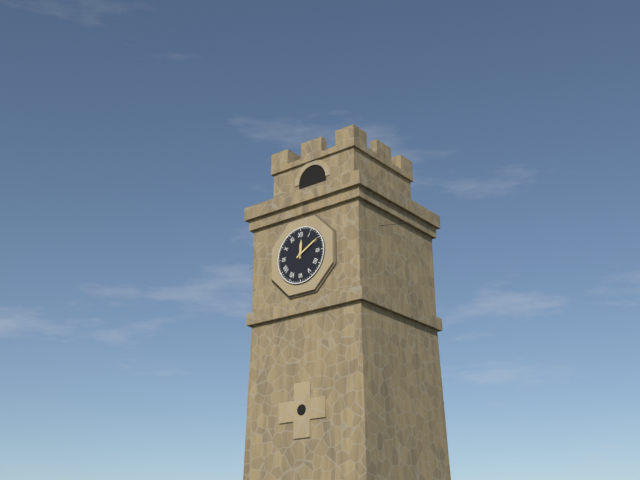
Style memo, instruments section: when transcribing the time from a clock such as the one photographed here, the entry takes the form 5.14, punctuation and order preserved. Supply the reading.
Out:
12.10
